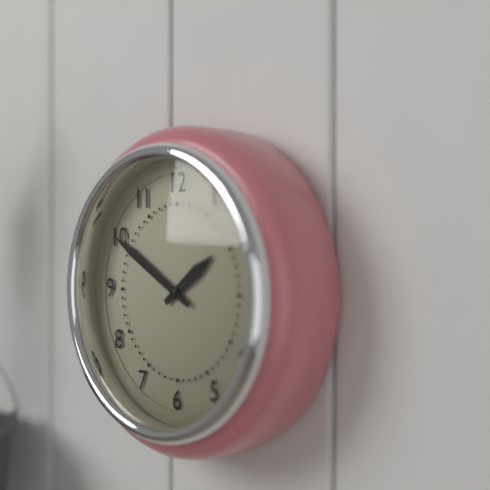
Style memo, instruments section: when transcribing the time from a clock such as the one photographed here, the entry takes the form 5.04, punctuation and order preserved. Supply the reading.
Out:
1.50
